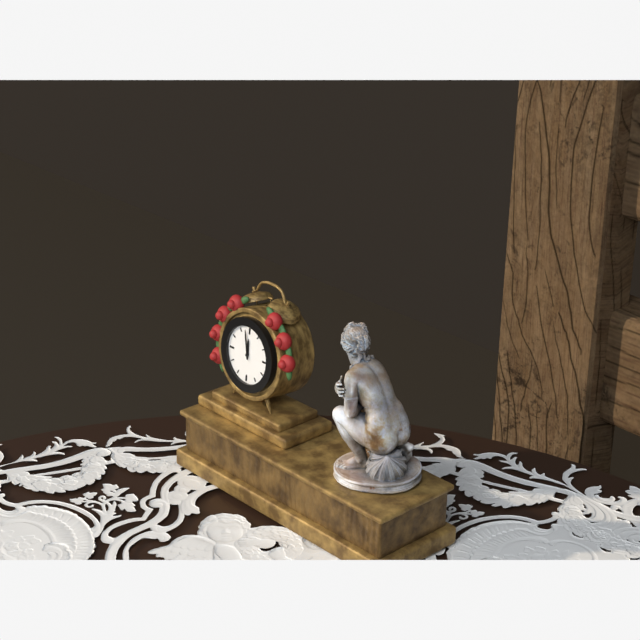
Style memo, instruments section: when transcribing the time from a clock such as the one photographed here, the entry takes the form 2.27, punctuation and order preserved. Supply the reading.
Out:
11.58
